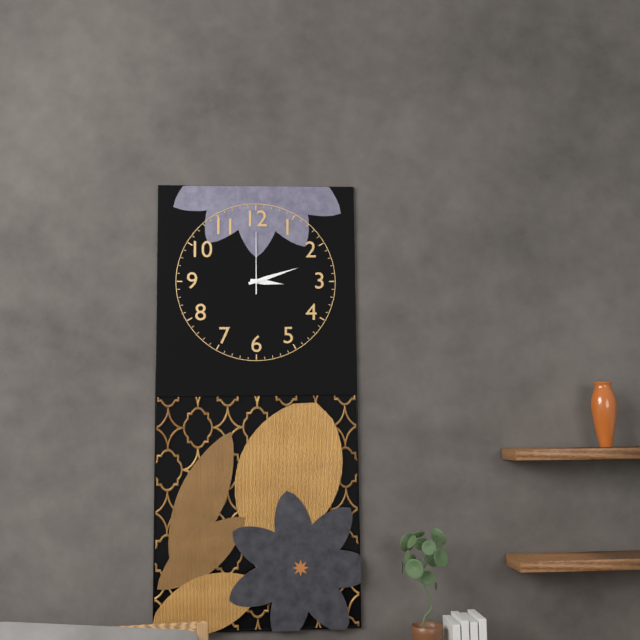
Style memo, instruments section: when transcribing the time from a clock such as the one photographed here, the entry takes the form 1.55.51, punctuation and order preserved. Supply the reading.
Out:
3.12.00
